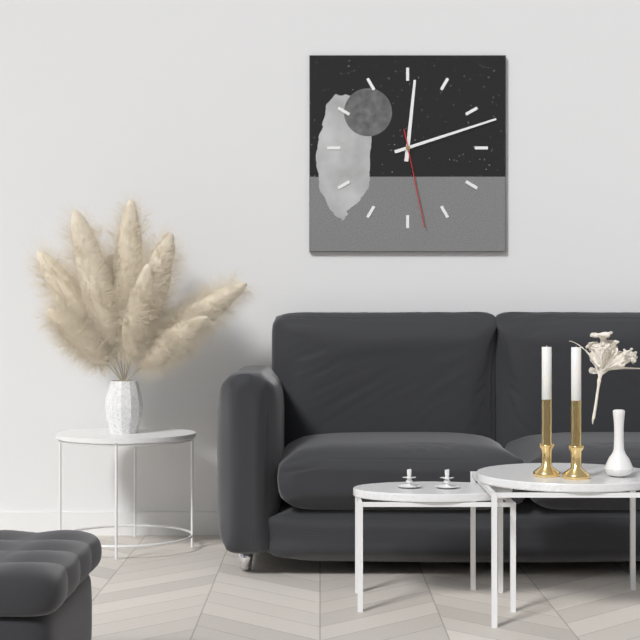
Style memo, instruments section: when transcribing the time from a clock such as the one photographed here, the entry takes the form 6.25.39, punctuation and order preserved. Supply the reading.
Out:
12.12.28
